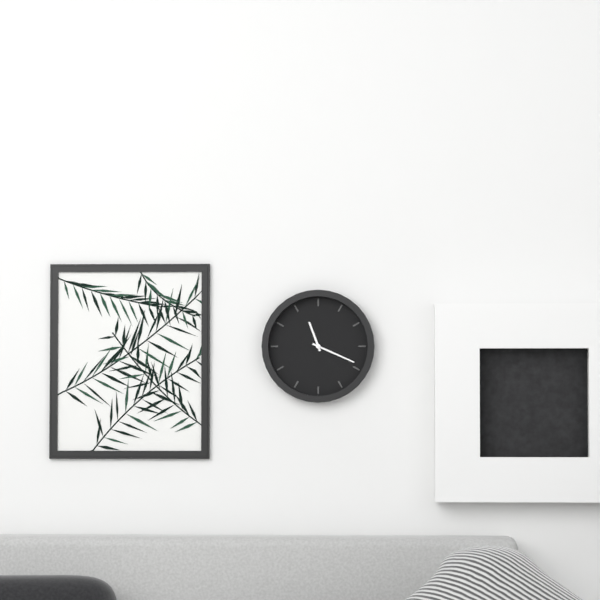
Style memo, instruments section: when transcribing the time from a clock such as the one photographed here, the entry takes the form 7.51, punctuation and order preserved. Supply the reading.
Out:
11.19
